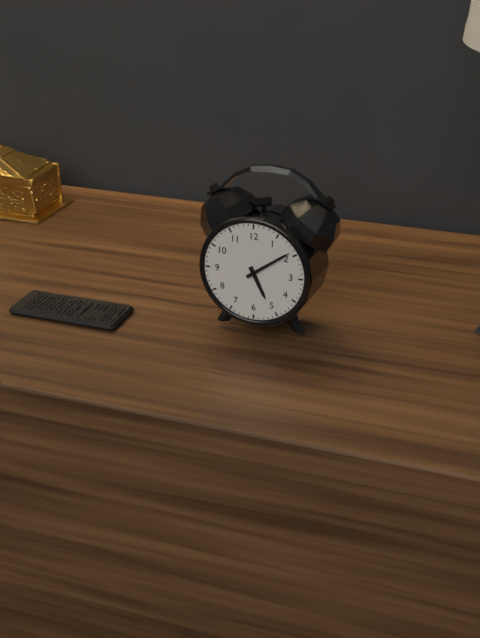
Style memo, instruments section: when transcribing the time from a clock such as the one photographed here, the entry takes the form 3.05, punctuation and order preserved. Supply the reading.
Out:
5.09
